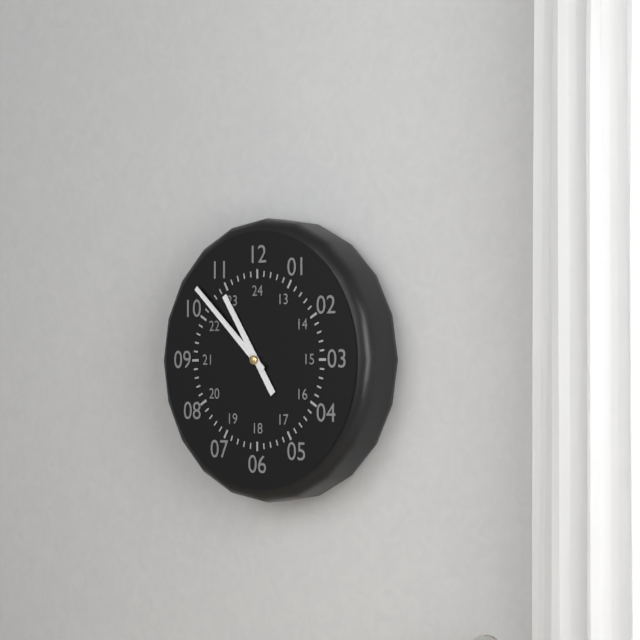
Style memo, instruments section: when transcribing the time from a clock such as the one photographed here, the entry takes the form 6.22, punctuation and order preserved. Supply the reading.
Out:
10.52
